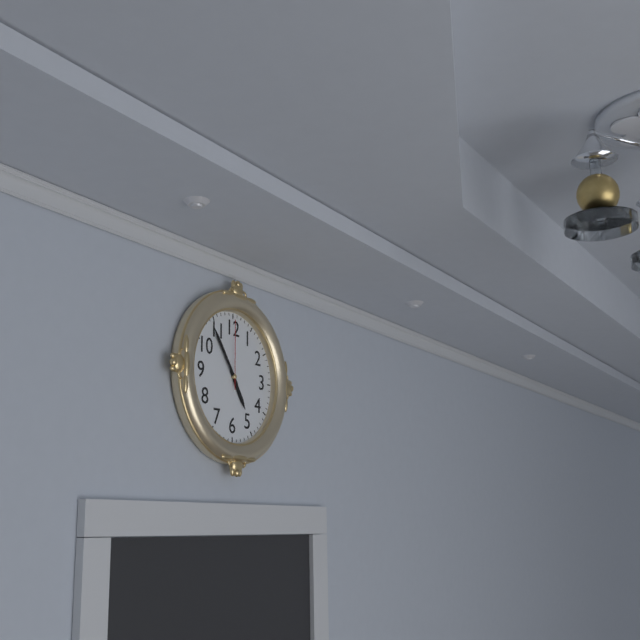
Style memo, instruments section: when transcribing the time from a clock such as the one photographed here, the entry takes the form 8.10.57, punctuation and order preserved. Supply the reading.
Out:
4.54.00
